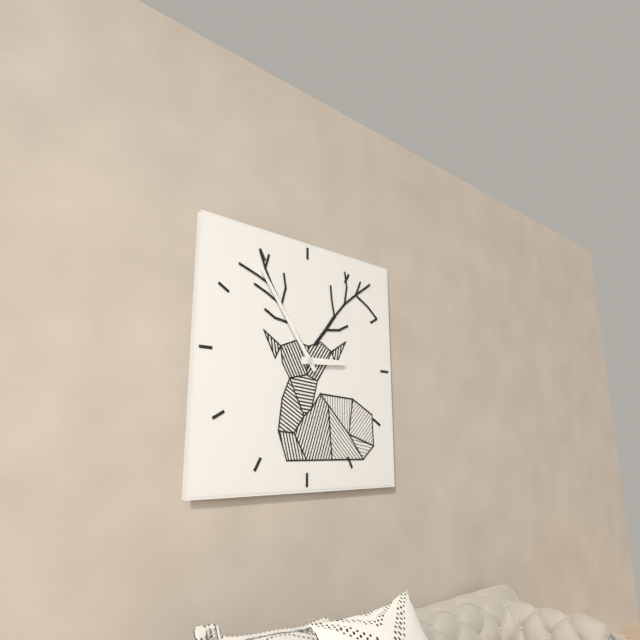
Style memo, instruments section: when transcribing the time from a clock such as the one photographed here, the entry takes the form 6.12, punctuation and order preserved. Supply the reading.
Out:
2.54
